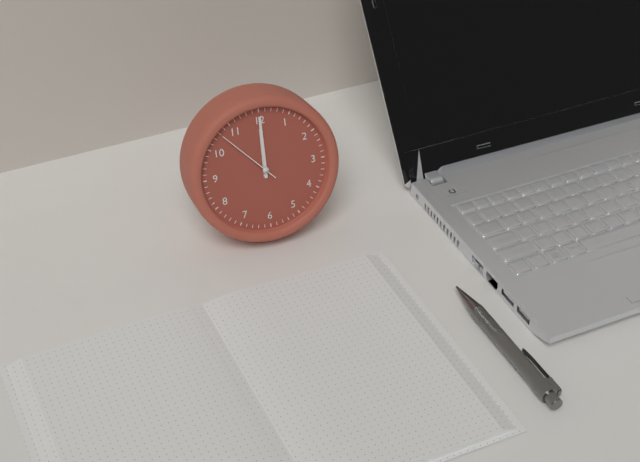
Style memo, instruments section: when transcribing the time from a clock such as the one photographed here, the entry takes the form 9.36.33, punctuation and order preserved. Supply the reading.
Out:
12.00.53
